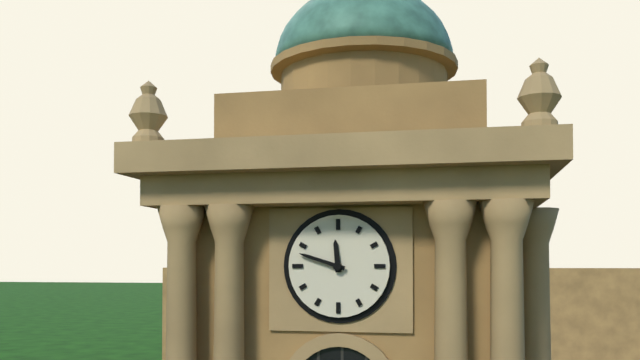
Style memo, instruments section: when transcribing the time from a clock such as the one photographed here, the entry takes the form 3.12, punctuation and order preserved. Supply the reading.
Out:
11.48
